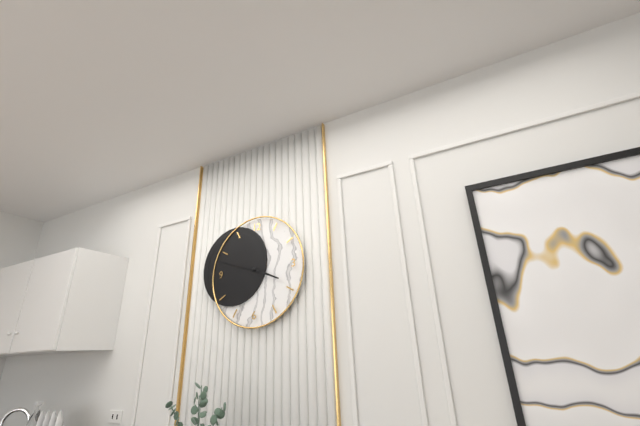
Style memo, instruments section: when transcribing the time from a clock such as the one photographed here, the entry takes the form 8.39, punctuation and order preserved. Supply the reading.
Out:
3.48
